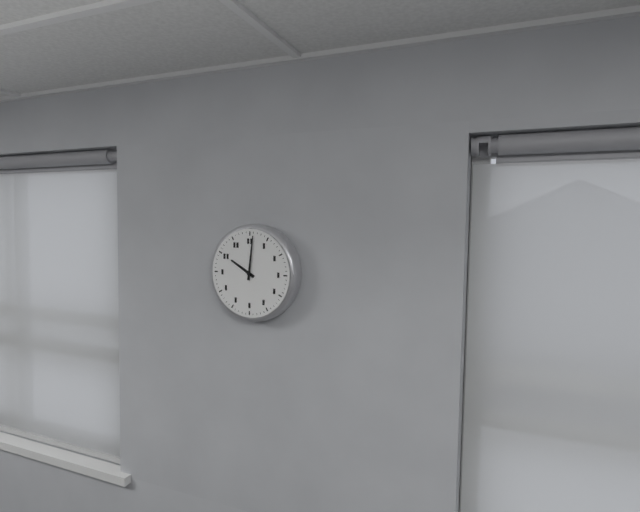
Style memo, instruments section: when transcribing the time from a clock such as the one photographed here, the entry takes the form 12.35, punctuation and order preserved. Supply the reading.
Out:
10.01
